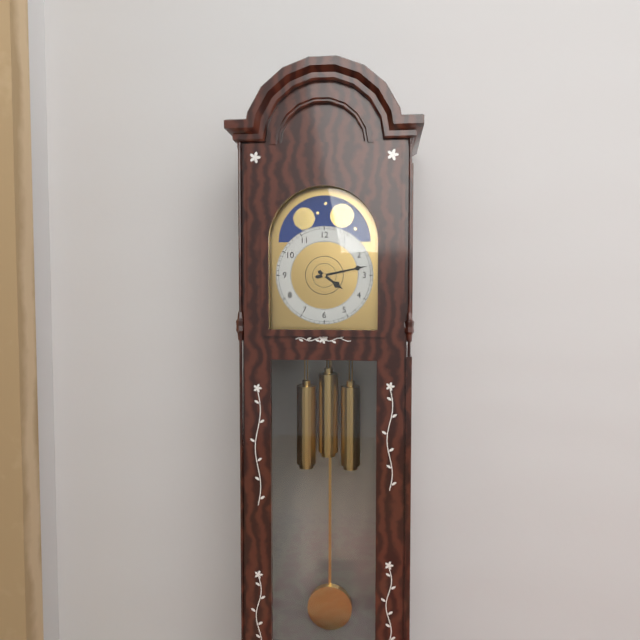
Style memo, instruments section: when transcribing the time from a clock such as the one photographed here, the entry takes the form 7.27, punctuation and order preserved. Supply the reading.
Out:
4.13
